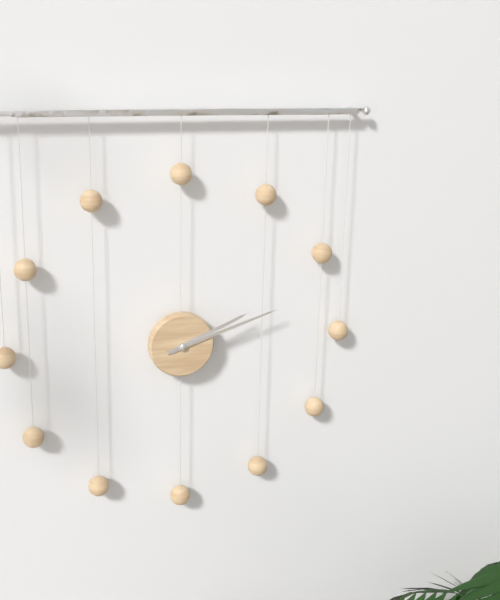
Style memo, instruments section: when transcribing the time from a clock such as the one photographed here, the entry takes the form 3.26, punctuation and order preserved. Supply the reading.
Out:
2.12
